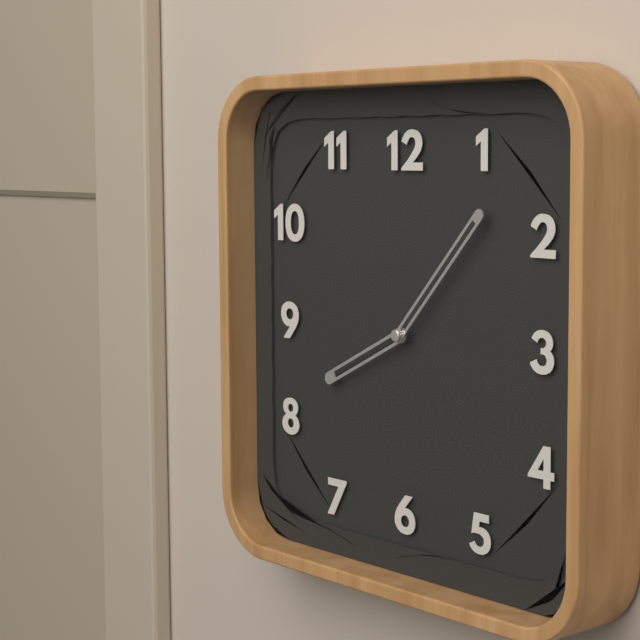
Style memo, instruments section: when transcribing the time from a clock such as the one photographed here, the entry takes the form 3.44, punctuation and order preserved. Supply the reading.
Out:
8.07
